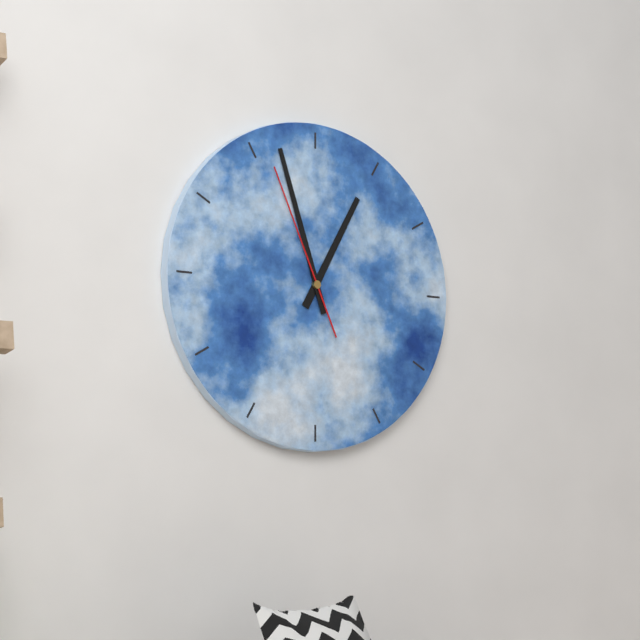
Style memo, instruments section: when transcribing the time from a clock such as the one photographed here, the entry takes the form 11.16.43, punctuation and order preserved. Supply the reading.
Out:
12.57.56
